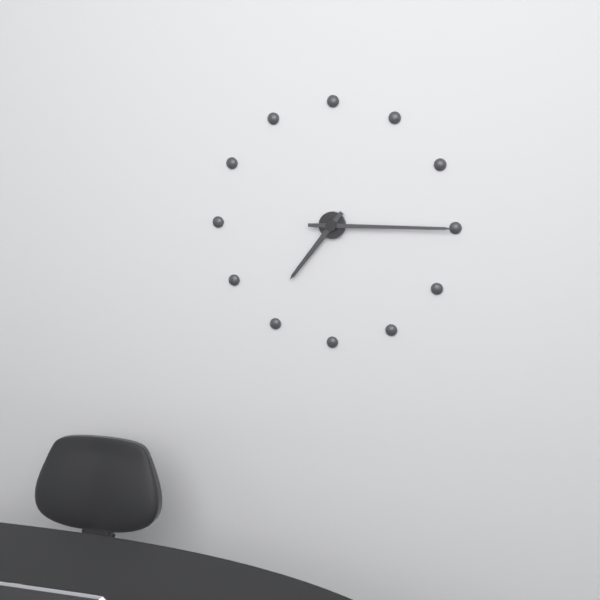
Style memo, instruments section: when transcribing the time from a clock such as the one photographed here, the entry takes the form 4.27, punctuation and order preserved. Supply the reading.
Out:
7.15
